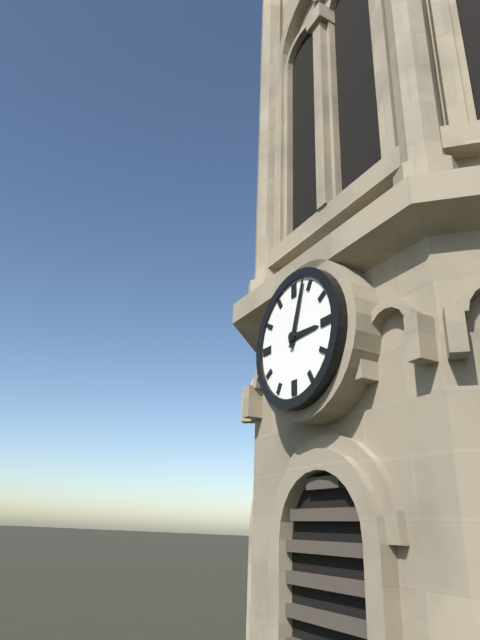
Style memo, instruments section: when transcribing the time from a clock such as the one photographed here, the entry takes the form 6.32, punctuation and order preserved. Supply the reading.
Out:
3.03
